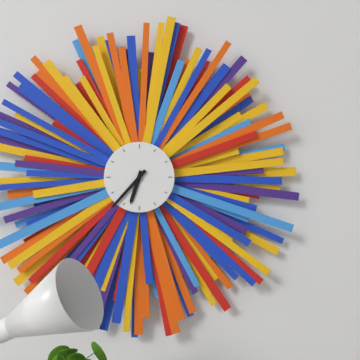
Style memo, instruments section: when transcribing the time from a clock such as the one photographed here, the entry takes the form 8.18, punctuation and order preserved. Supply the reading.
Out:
6.37
